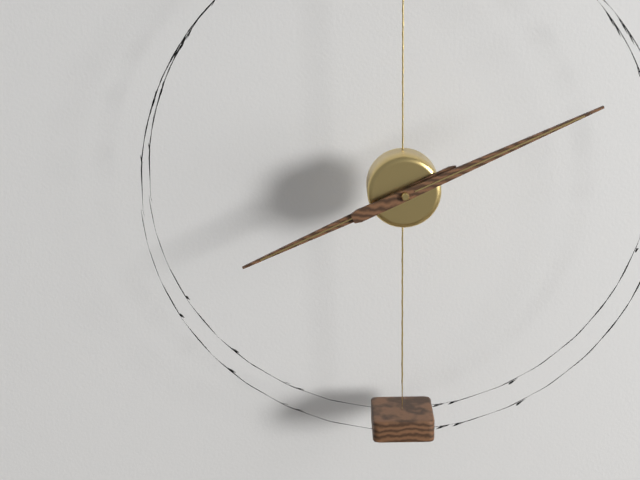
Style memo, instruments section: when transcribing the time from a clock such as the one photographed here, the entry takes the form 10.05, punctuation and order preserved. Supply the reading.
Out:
8.11
